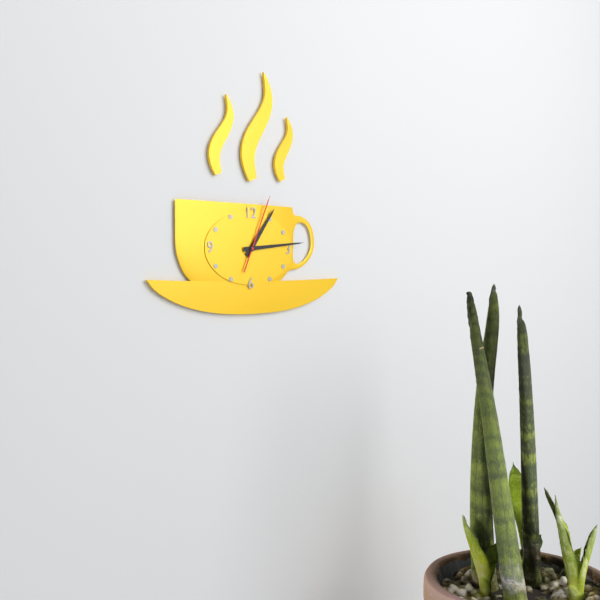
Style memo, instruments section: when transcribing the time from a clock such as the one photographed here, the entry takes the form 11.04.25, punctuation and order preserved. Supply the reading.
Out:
1.14.04
